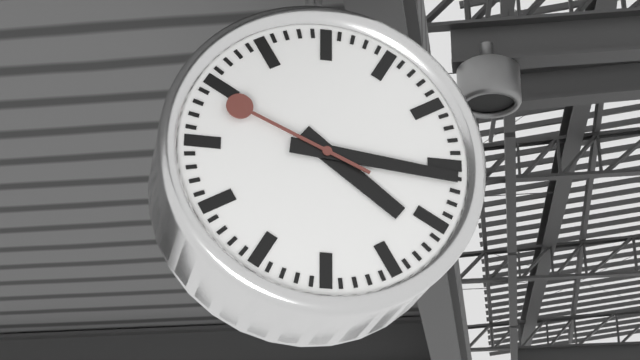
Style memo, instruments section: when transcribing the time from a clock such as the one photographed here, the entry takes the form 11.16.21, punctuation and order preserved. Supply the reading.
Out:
4.16.49
